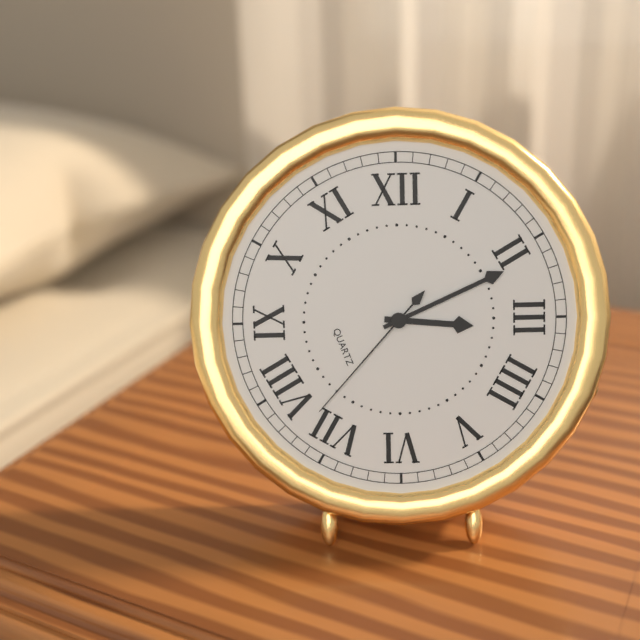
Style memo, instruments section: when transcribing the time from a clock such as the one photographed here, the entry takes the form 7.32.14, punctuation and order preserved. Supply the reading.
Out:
3.11.37
